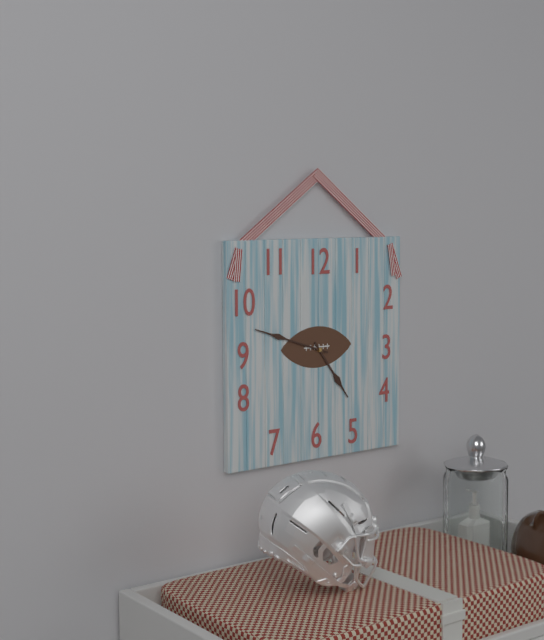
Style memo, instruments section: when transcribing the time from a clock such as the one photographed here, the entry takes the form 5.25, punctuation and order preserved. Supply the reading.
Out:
4.48
